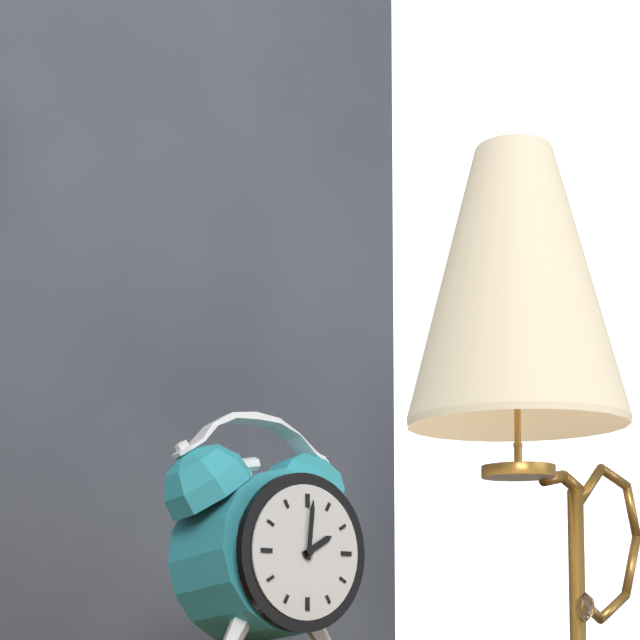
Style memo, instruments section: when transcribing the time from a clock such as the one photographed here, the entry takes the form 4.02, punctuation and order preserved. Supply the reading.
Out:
2.01
